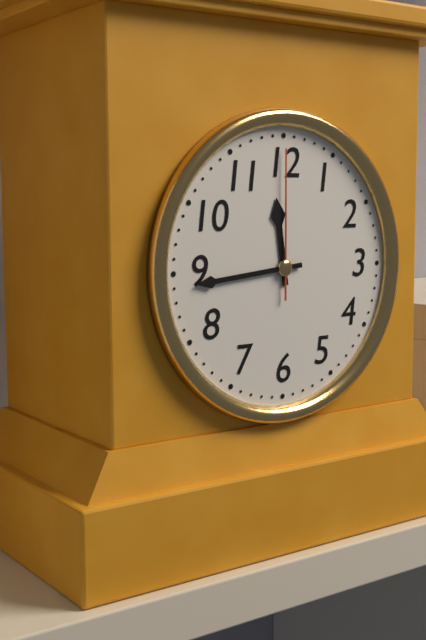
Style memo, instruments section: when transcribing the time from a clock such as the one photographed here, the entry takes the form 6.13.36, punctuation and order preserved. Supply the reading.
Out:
11.44.00
